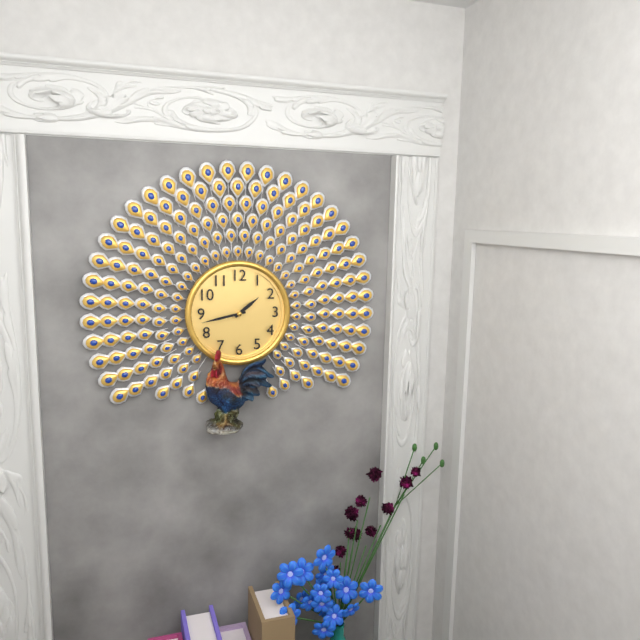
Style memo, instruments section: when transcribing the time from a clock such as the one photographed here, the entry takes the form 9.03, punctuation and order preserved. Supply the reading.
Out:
1.43
